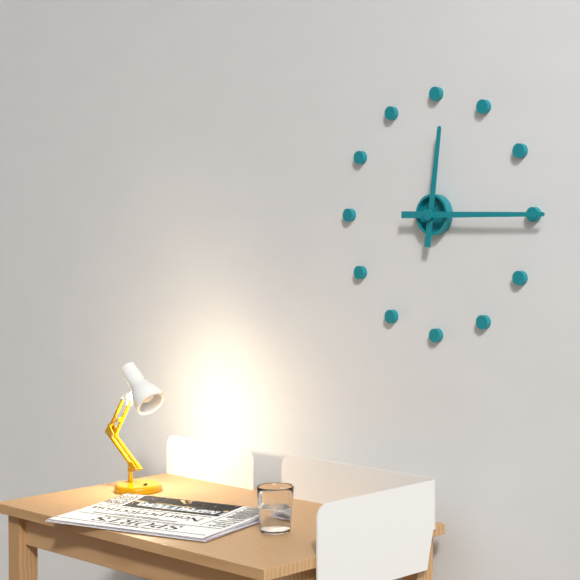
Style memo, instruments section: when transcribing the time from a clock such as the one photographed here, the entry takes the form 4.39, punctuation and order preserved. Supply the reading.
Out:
12.15
